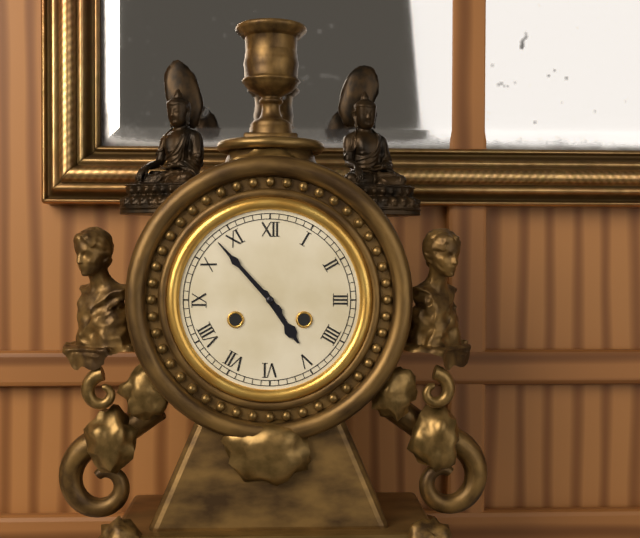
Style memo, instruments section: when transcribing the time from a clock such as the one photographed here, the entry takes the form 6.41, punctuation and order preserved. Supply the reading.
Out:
4.53
